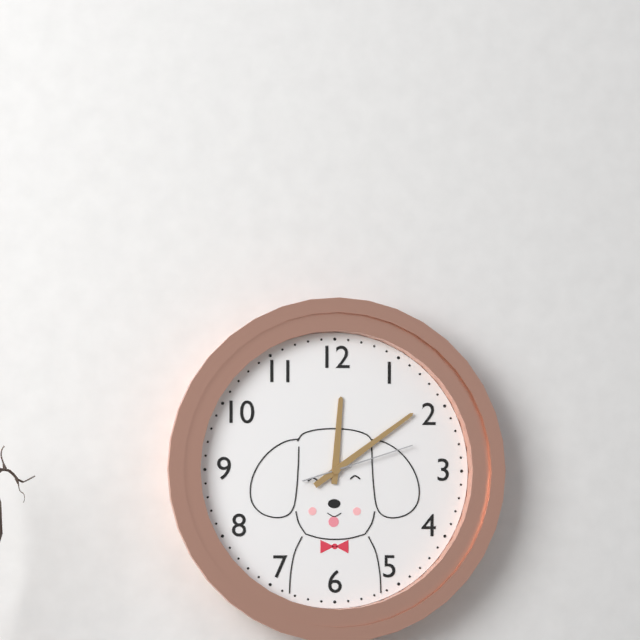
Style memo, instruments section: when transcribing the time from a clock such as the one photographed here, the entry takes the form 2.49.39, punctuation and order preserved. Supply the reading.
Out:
12.09.12
